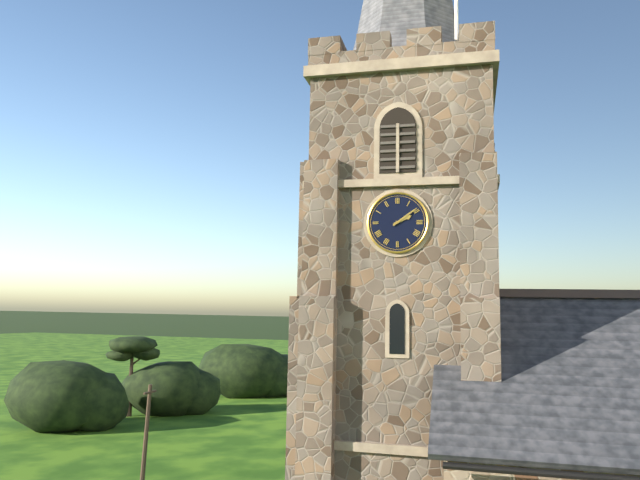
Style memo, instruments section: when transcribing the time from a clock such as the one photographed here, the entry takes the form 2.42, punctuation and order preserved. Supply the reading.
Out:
2.09
